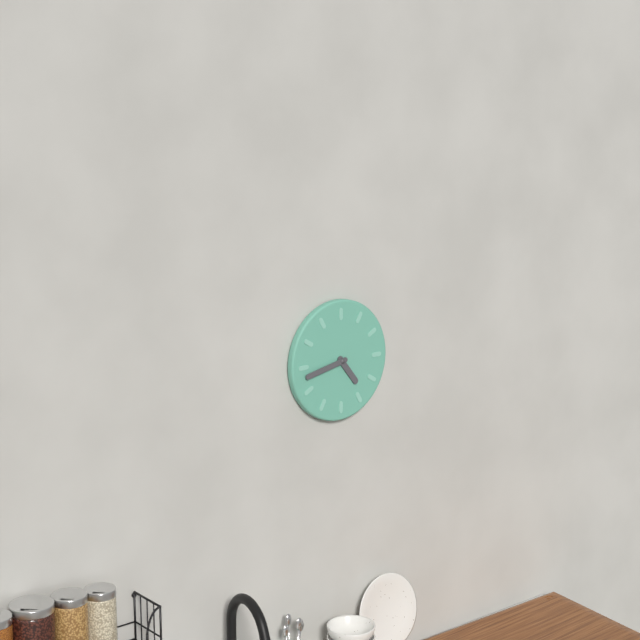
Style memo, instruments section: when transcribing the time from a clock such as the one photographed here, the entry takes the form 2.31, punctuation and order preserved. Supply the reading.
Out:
4.43
